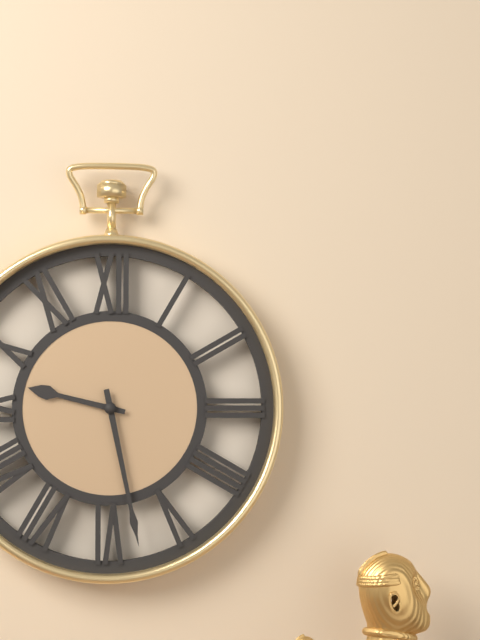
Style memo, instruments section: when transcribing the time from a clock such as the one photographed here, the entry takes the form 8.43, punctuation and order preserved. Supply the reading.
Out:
9.28
